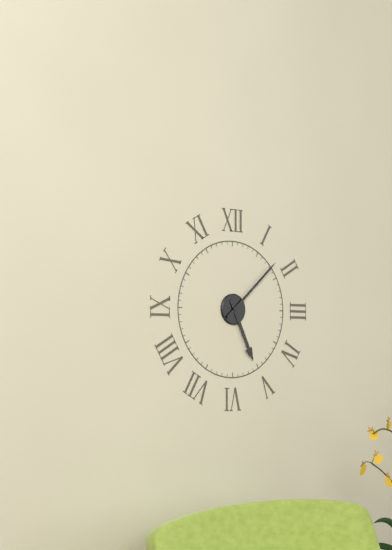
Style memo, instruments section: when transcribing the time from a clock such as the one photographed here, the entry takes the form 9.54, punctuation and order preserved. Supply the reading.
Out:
5.08
